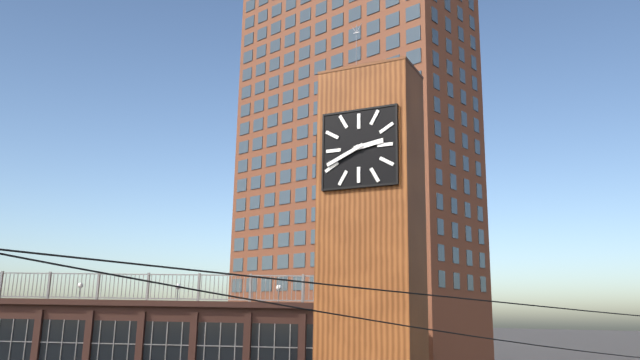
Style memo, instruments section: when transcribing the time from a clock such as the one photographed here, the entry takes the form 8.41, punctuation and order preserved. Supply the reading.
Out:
2.41
